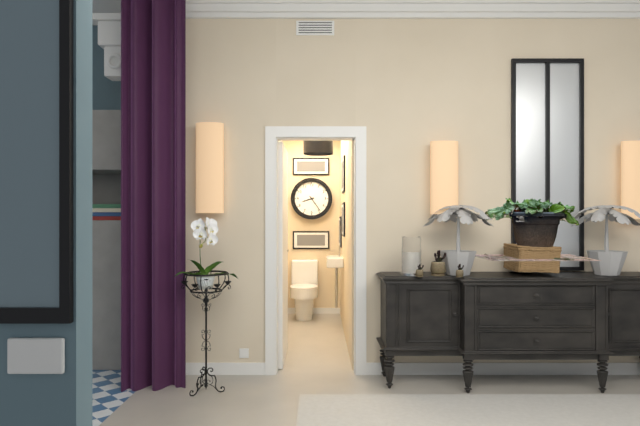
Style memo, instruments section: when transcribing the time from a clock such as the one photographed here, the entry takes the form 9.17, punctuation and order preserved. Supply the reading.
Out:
8.24
